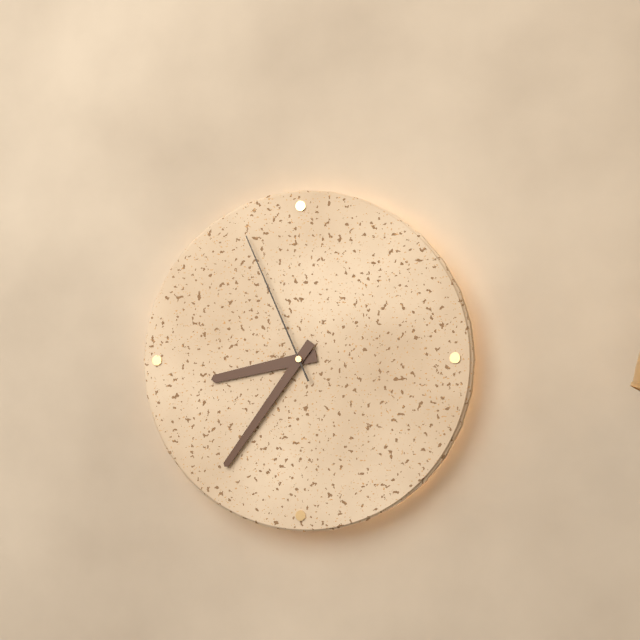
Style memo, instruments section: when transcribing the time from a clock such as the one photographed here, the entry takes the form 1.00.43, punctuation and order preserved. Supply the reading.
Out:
8.36.56
